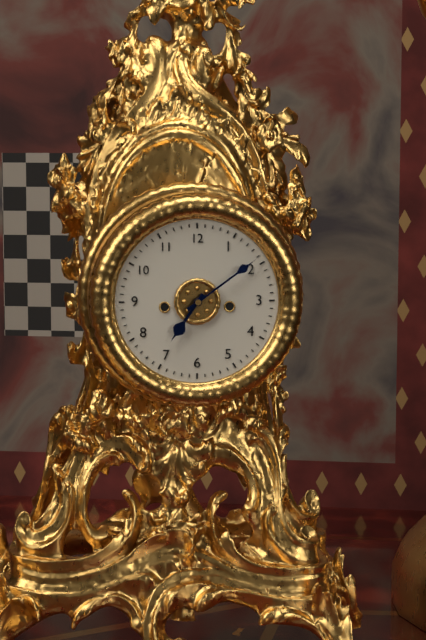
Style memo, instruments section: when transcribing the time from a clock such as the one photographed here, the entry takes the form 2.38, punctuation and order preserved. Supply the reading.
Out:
7.09
